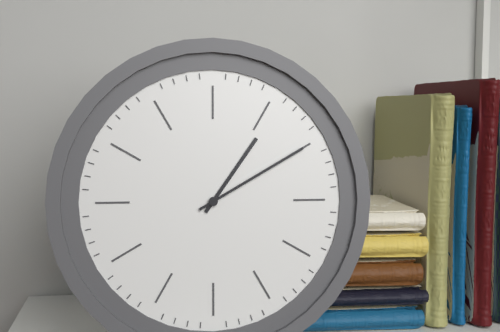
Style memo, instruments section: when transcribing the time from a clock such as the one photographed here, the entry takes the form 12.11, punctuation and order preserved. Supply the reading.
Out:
1.10
